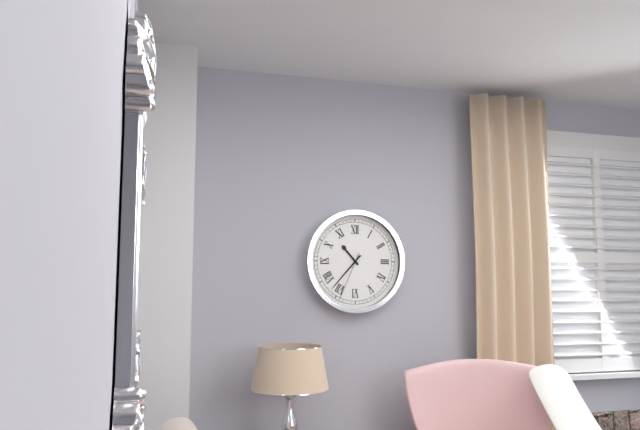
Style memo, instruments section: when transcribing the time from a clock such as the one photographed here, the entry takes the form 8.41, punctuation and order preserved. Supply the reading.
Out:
10.37
